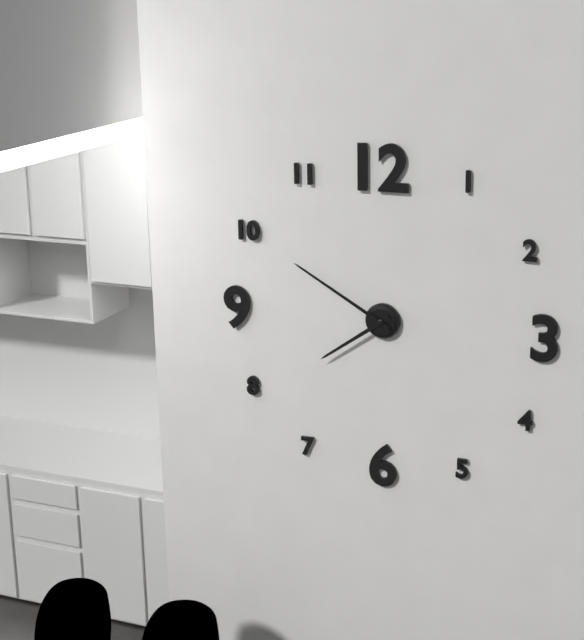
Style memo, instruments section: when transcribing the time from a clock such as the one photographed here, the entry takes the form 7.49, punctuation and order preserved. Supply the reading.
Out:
7.50
